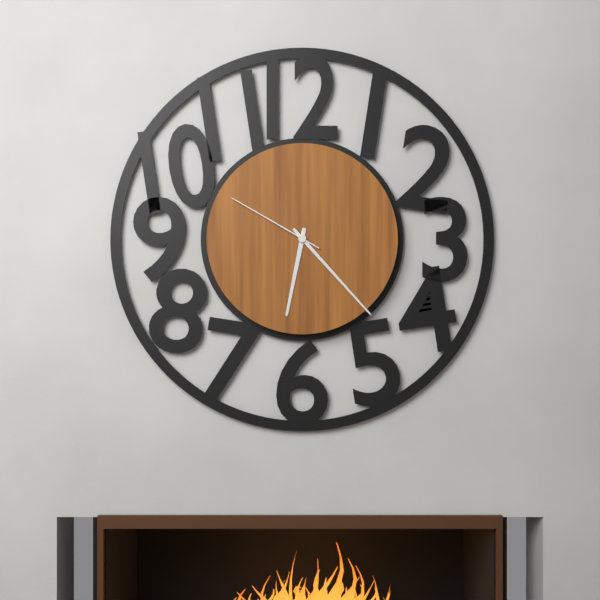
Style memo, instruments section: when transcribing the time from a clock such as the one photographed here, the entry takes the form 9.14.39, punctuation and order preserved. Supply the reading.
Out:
6.23.50
